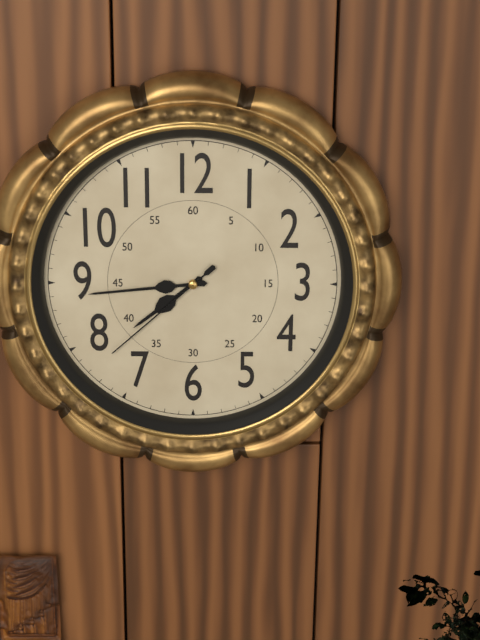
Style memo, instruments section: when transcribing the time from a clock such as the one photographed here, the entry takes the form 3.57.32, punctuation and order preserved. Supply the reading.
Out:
7.44.38
